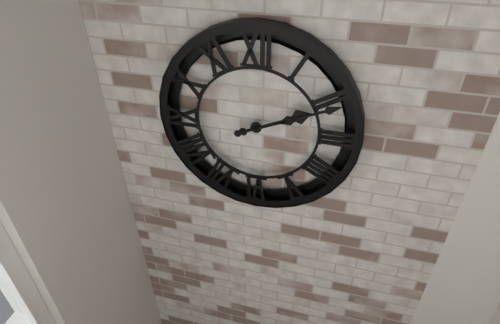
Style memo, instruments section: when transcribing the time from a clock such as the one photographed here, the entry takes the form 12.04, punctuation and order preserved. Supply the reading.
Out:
2.11
